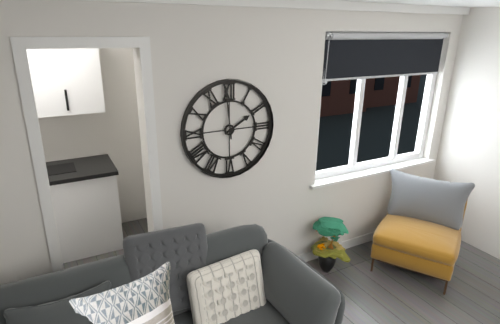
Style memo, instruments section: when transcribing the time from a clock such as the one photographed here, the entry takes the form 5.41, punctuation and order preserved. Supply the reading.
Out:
1.59
